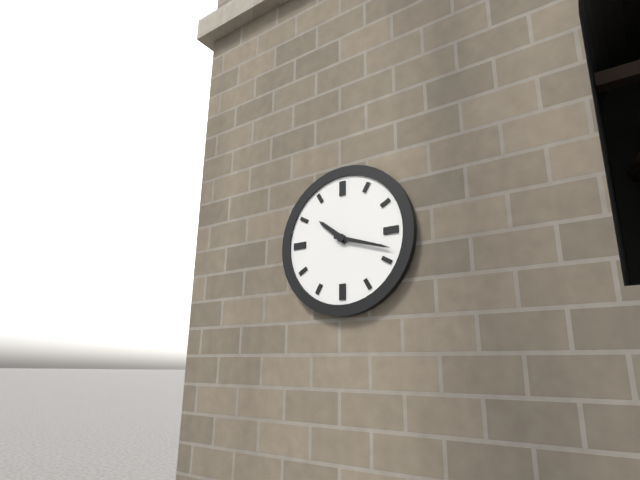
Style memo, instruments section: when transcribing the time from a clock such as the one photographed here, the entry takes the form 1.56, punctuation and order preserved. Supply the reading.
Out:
10.18
